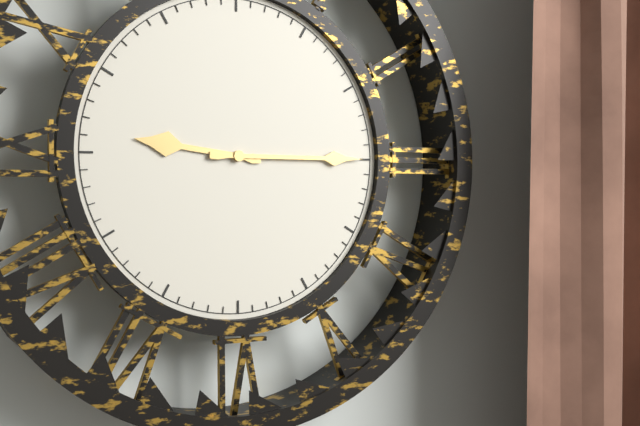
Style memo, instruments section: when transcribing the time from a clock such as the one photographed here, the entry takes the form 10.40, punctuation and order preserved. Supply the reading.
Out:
9.15
